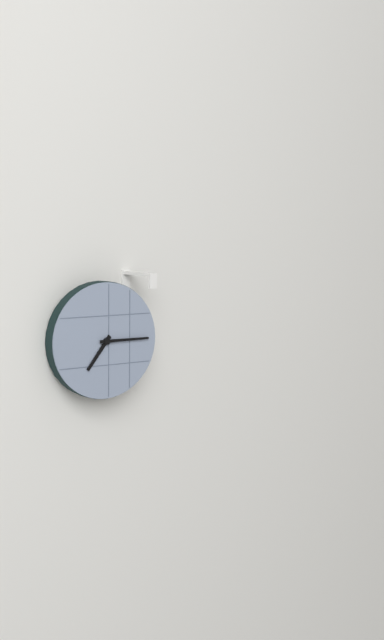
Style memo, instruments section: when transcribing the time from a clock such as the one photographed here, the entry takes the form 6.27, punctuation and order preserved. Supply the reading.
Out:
7.15
